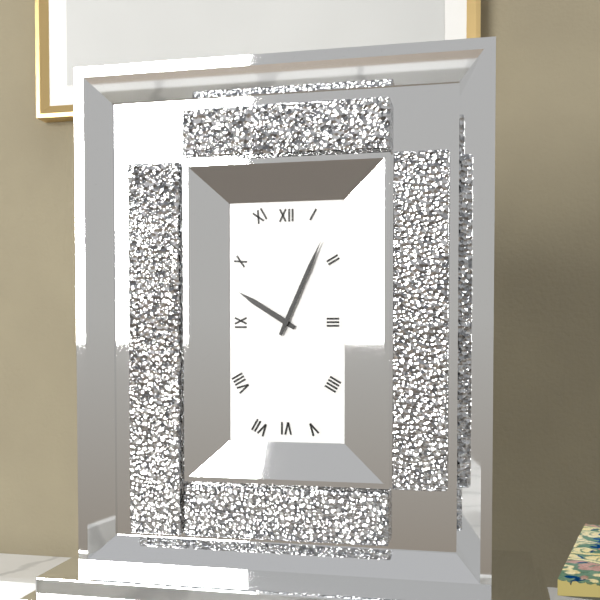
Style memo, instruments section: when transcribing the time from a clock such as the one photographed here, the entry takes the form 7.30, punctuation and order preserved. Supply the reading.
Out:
10.04
